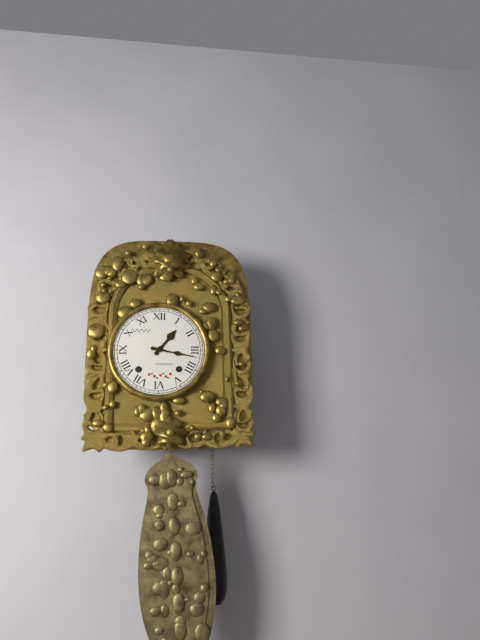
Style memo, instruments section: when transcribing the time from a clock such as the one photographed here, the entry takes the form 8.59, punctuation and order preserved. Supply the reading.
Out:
1.17
